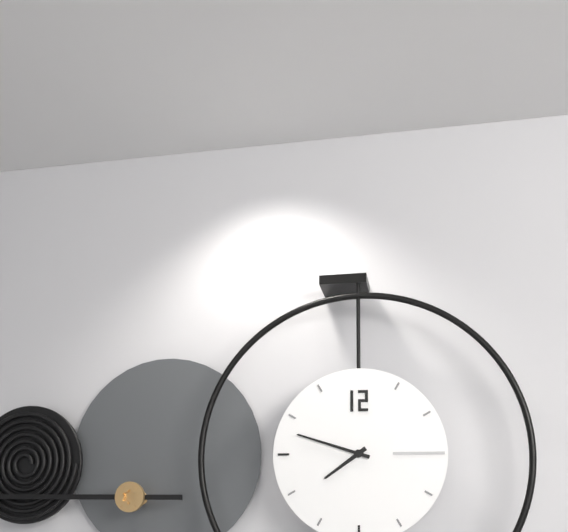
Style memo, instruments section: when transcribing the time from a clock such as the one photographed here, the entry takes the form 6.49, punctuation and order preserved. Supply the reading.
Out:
7.48
